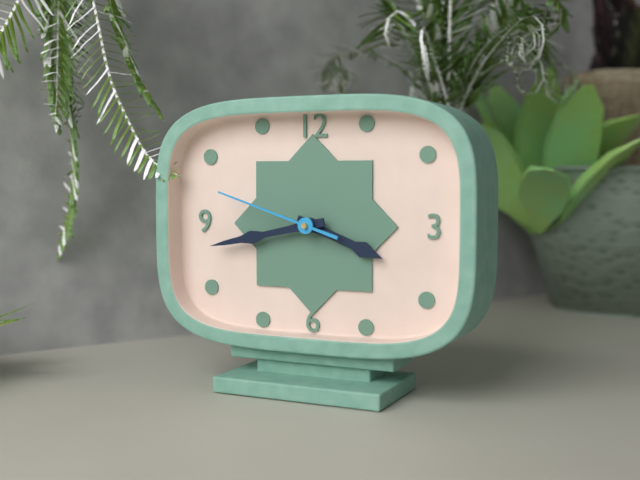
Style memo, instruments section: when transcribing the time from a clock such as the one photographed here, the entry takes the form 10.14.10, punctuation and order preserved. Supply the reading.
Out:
3.43.48
